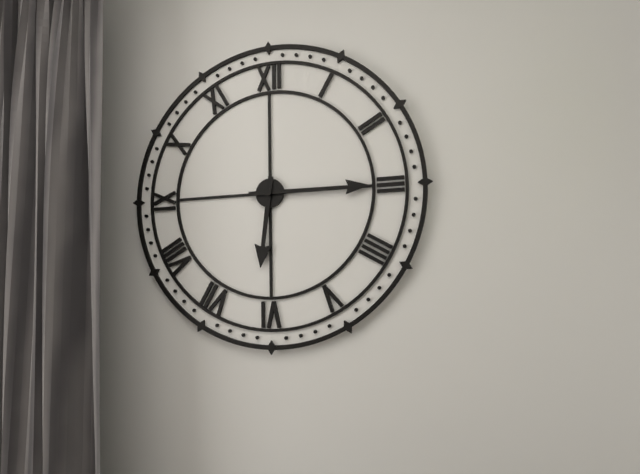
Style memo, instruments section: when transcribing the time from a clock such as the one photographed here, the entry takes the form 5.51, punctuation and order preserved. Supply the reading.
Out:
6.15
